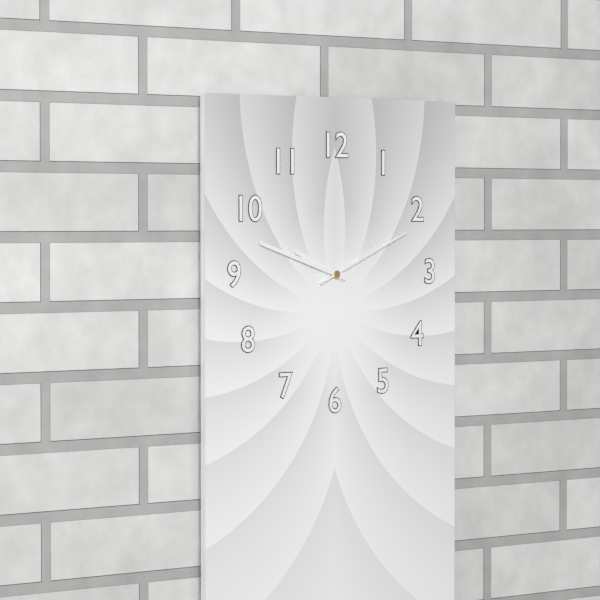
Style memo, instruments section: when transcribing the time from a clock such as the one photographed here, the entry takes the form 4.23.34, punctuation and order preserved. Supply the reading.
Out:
9.48.11
